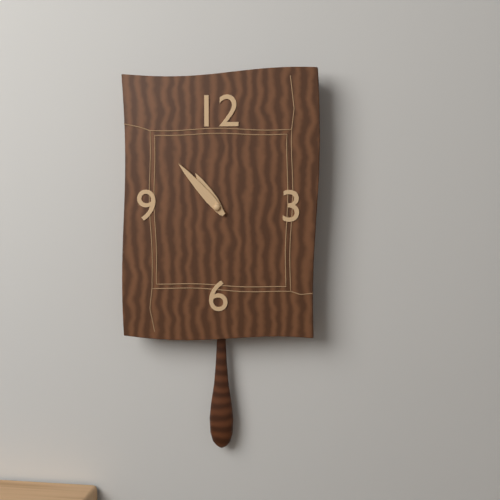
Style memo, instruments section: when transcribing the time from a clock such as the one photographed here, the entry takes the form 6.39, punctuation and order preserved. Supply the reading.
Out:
10.53
